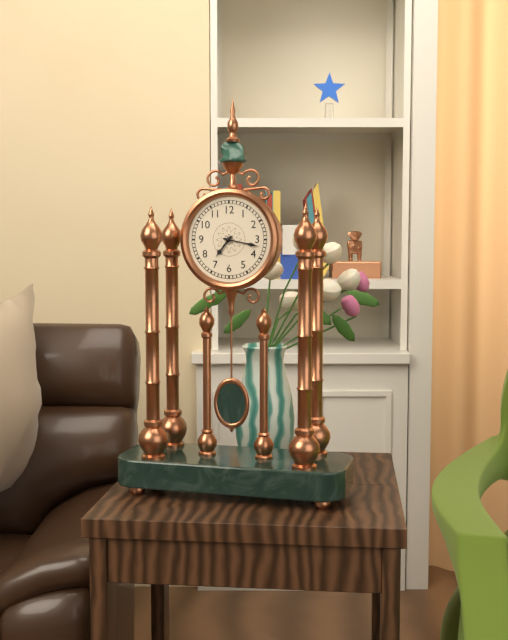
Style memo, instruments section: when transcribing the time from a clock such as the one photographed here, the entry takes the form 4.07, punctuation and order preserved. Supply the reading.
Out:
7.17
